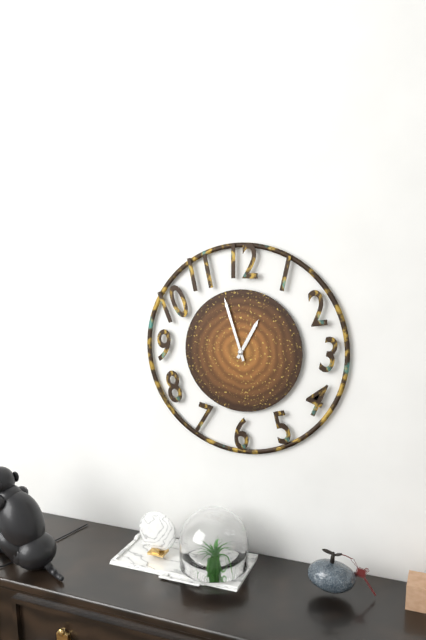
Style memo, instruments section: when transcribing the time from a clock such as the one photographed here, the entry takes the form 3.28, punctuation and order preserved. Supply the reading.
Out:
12.57
